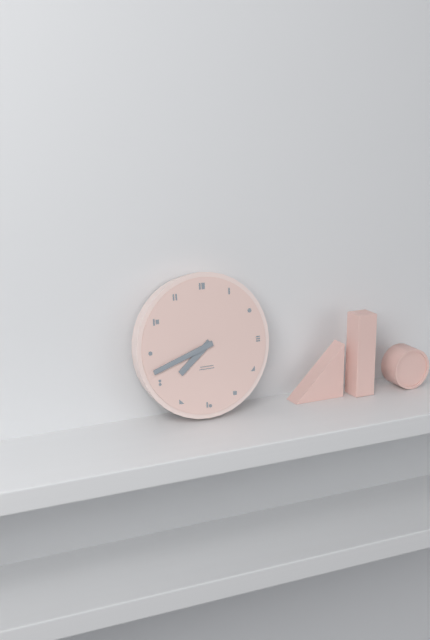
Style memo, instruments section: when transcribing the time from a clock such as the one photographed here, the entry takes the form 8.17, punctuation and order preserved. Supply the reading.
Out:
7.42
